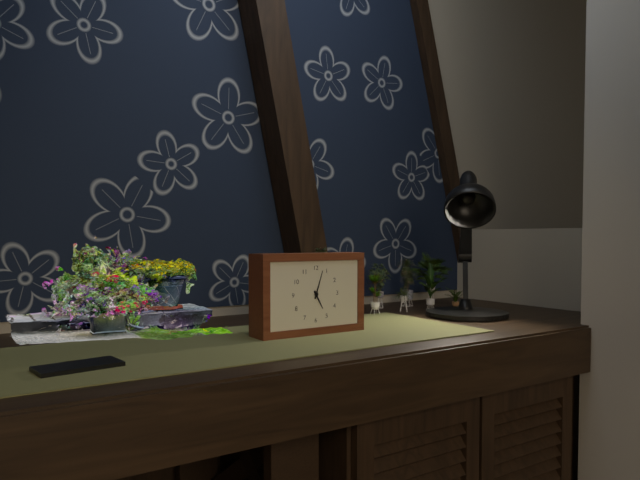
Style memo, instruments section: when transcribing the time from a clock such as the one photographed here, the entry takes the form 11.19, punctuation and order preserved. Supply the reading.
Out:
5.03
